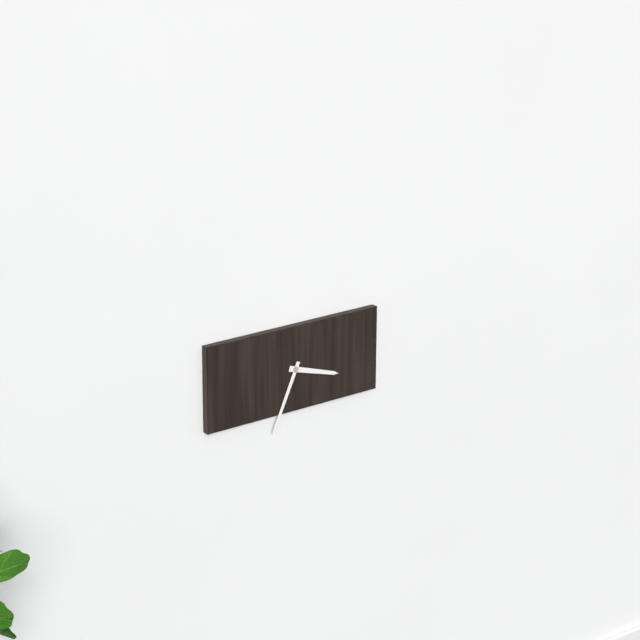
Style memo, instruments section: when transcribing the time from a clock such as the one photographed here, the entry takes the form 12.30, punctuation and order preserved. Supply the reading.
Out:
3.34
